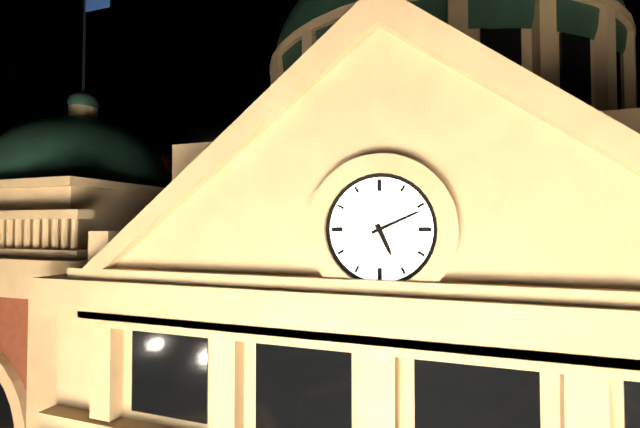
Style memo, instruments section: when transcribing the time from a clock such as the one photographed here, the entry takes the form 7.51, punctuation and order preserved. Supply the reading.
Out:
5.11
